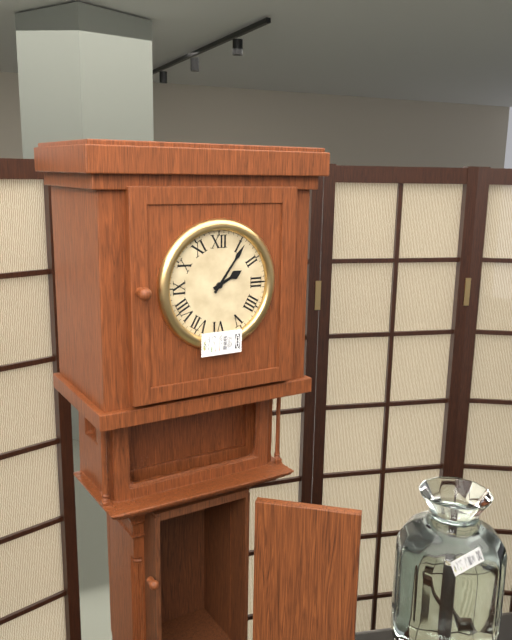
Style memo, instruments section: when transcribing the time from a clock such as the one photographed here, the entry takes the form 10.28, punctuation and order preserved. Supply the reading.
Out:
2.06
